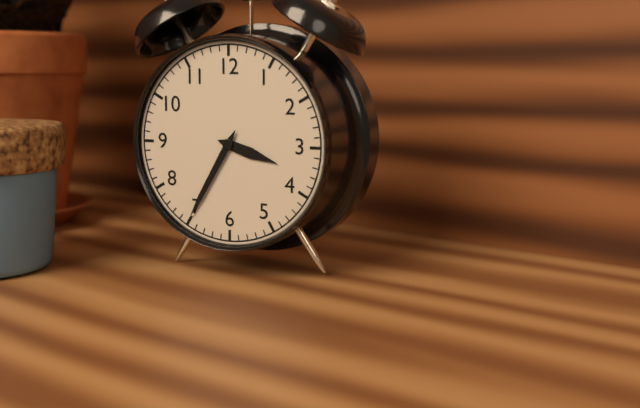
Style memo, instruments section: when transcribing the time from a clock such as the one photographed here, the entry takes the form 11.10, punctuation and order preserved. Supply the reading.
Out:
3.35
